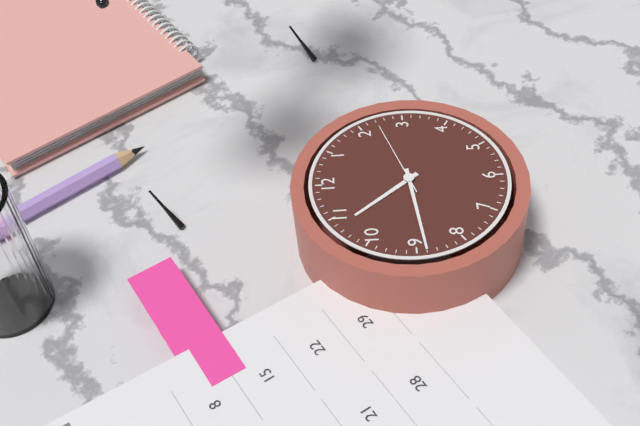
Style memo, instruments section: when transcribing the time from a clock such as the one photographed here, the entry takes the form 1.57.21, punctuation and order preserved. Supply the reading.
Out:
10.44.12
